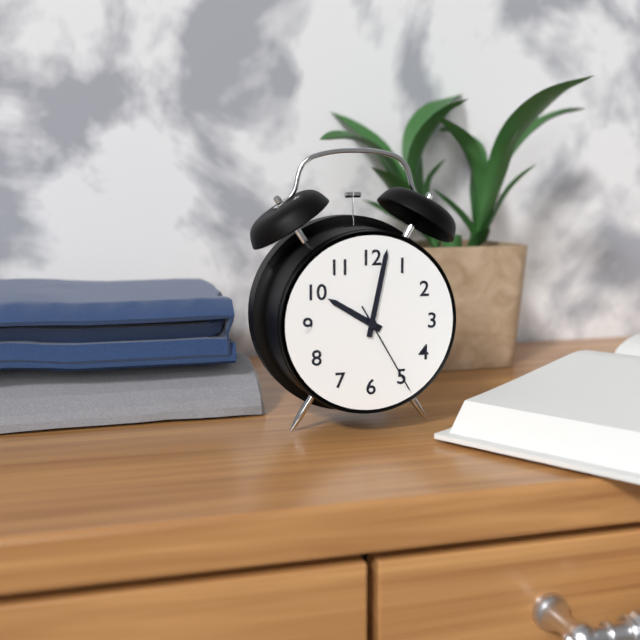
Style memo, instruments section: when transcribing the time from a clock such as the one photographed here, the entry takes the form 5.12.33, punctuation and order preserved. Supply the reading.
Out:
10.02.25
